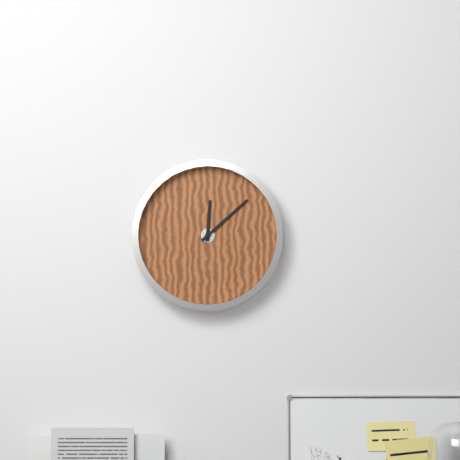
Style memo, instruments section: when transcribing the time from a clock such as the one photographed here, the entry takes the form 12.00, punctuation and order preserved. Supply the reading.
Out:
12.08
